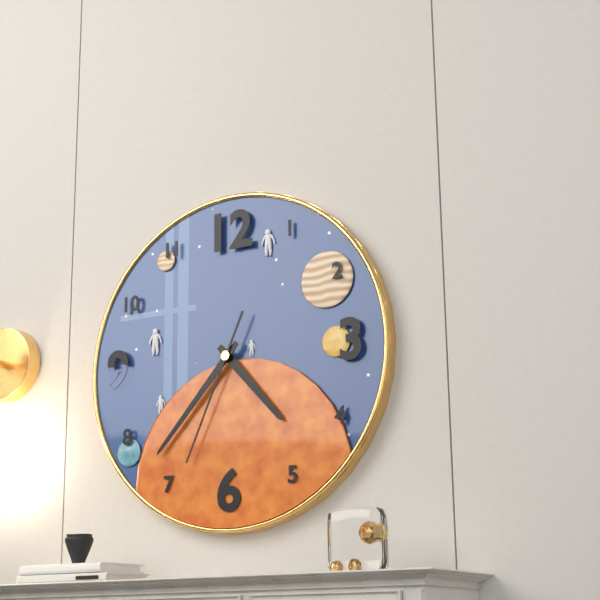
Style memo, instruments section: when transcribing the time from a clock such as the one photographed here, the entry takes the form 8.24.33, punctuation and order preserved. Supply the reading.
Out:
4.37.34
